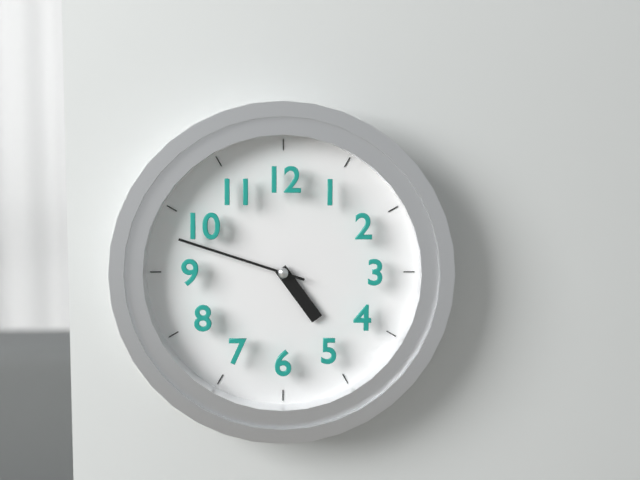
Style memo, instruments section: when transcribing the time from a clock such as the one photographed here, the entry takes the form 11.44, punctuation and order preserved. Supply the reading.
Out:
4.48
